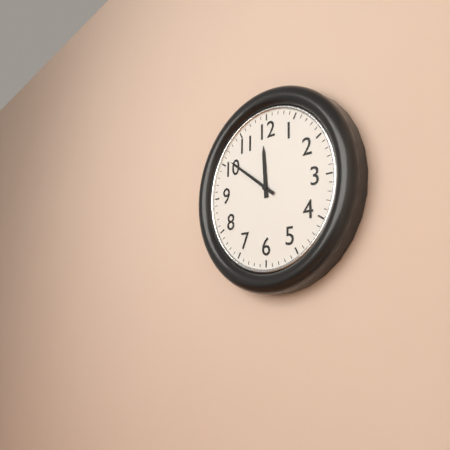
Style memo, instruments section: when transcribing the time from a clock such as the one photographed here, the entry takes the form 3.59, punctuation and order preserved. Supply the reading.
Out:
11.51
